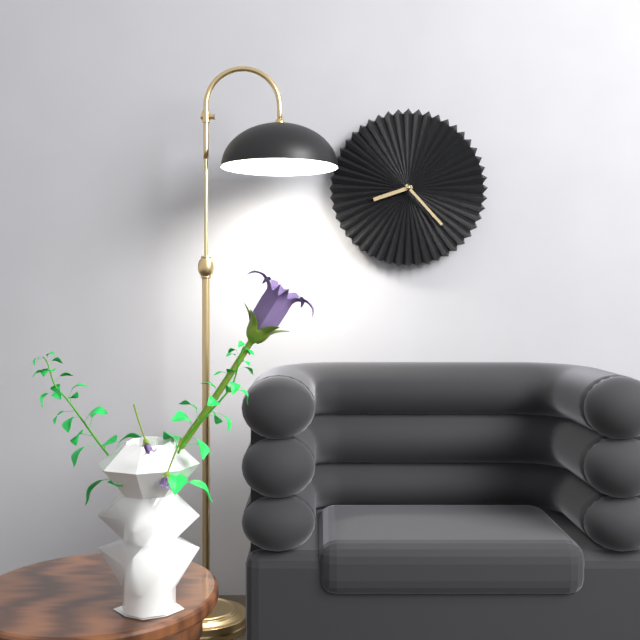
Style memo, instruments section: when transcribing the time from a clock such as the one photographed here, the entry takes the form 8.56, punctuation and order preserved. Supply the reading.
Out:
8.23
